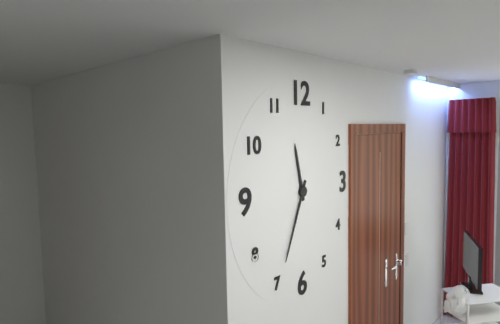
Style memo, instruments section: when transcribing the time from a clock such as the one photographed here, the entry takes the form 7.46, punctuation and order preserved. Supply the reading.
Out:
11.34
